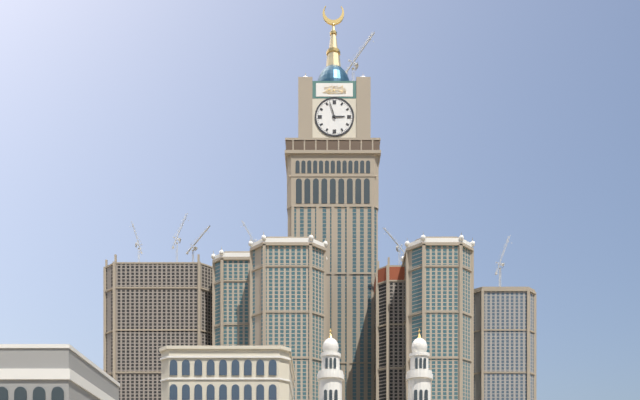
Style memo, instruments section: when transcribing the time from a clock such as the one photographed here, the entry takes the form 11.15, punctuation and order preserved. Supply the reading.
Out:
2.57
